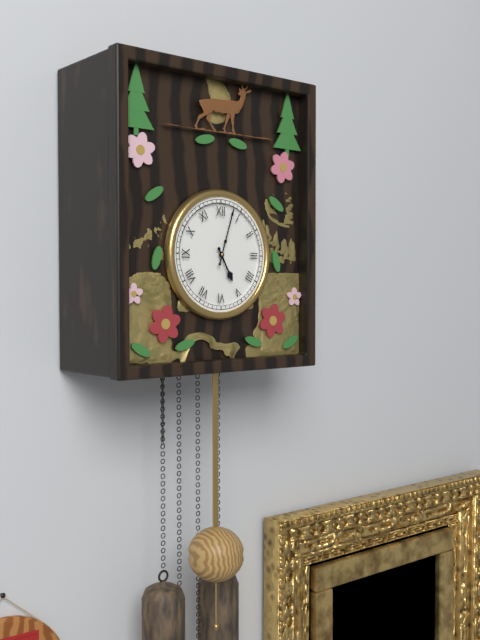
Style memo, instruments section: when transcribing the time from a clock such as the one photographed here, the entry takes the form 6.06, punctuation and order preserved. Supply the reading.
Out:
5.03
